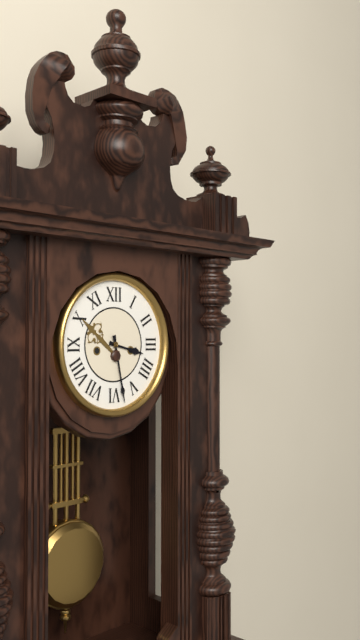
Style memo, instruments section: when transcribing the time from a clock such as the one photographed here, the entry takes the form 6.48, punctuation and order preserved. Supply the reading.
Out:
3.28
